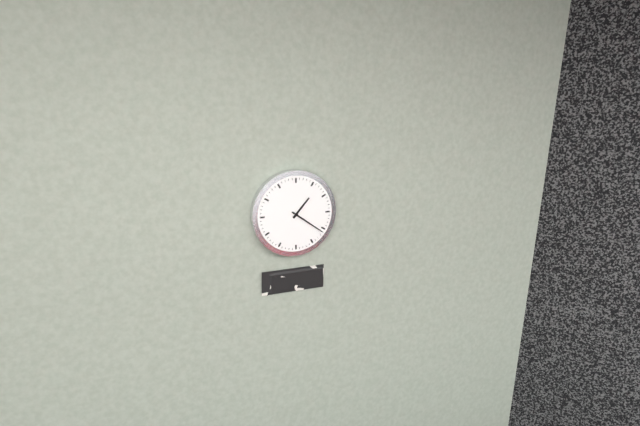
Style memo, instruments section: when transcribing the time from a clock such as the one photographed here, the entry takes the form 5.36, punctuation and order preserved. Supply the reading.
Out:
1.21
